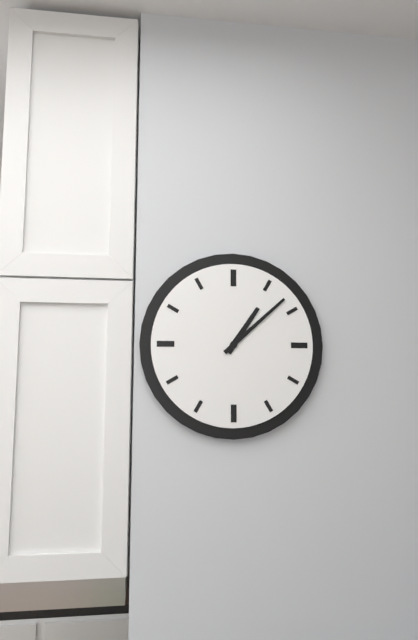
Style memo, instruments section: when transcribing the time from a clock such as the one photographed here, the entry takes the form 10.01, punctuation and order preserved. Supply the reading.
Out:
1.08
